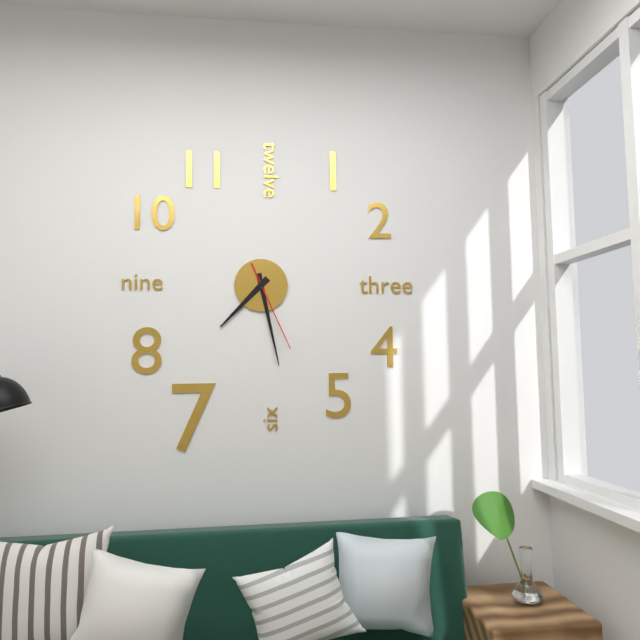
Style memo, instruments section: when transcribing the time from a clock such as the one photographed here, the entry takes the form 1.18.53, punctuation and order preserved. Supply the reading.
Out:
7.28.26
